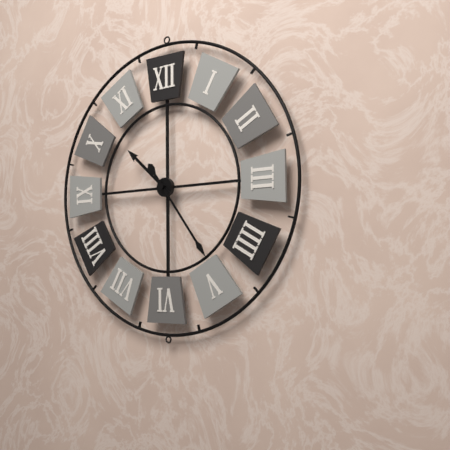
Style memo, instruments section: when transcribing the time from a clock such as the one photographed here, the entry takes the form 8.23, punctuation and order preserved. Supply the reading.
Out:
10.24
